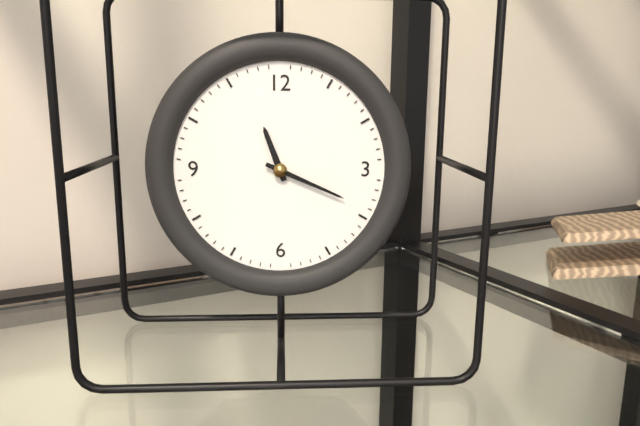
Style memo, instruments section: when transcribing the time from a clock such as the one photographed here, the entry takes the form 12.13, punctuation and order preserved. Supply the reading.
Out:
11.19
